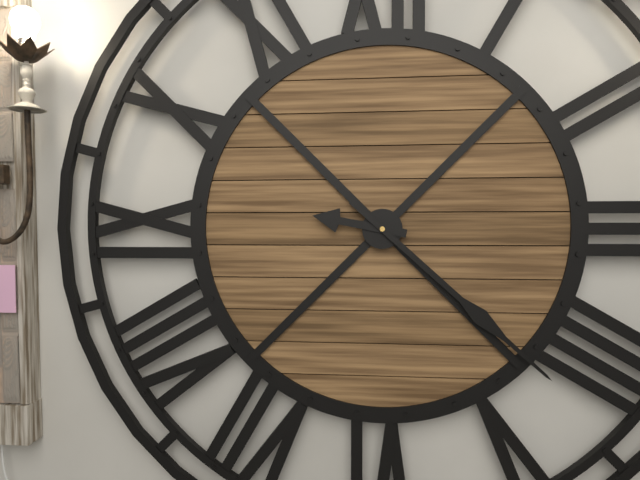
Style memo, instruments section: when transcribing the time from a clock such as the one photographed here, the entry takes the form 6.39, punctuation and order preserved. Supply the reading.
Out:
9.22
